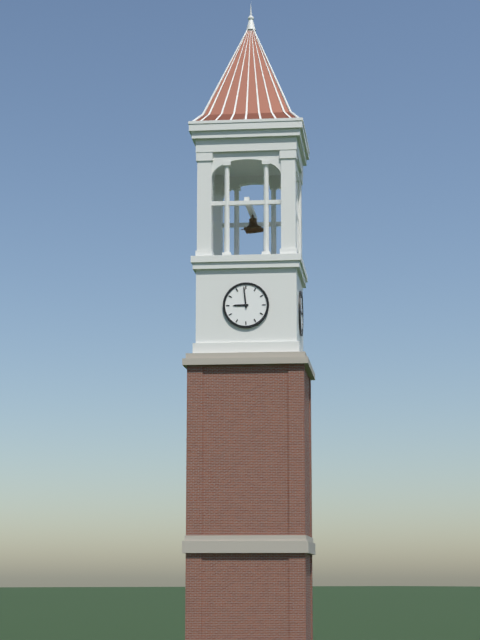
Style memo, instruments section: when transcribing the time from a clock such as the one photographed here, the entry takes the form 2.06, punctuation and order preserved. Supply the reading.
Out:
8.59
